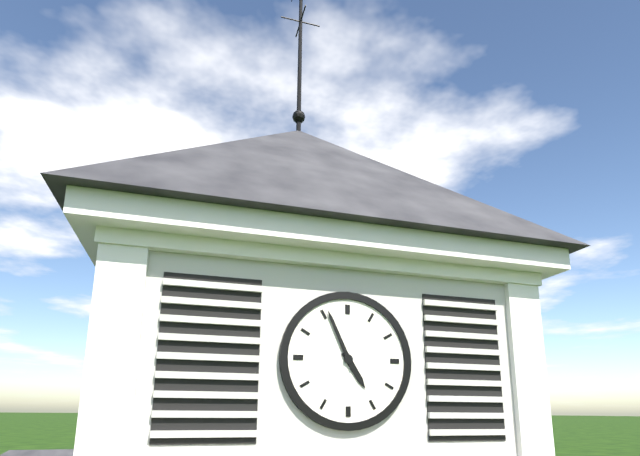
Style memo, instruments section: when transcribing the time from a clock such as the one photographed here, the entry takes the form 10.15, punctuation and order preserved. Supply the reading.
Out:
4.56
